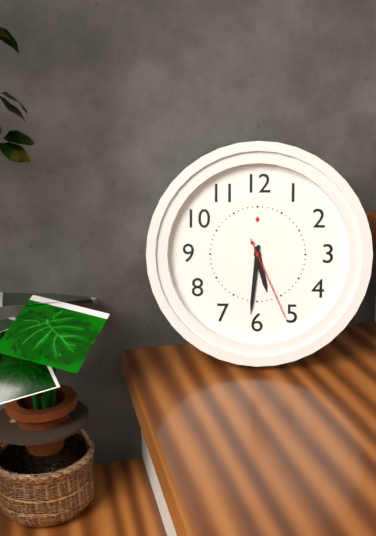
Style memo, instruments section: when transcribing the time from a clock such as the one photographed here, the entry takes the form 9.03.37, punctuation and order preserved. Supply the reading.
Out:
5.31.26
